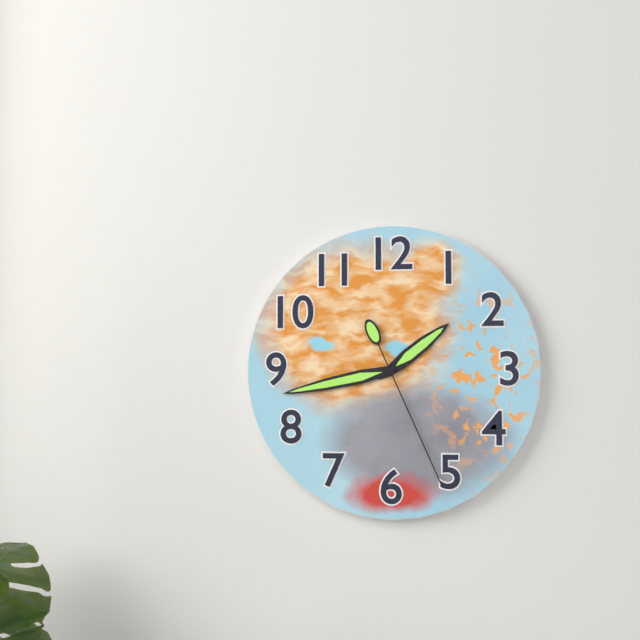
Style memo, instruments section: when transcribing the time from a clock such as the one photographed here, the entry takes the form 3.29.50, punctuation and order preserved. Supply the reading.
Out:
1.43.26
